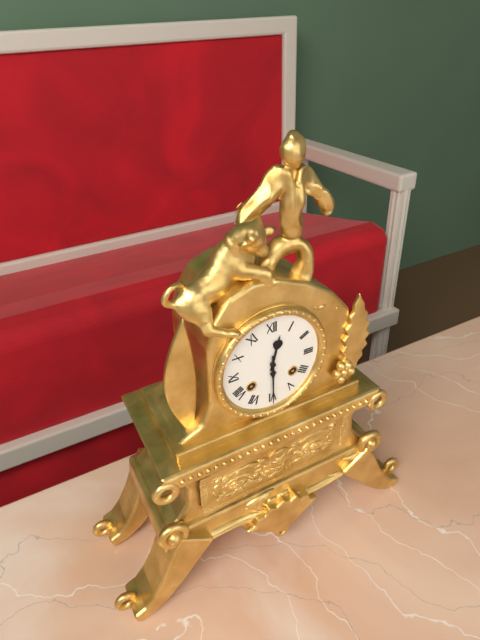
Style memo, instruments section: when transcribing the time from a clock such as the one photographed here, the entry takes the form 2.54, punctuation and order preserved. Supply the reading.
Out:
12.30
